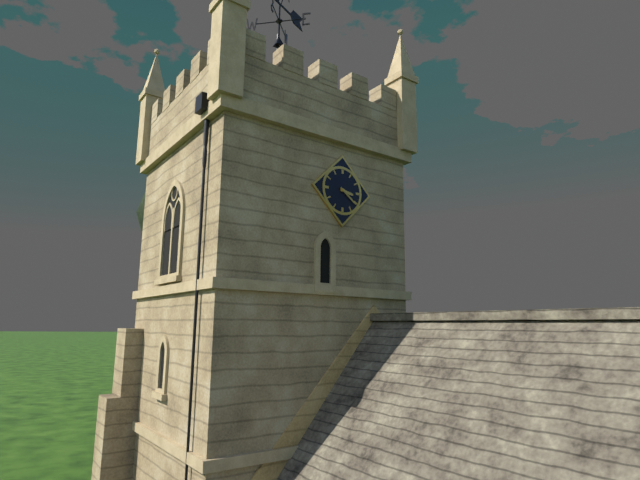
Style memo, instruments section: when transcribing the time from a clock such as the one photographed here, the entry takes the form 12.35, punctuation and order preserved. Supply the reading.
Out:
3.21
